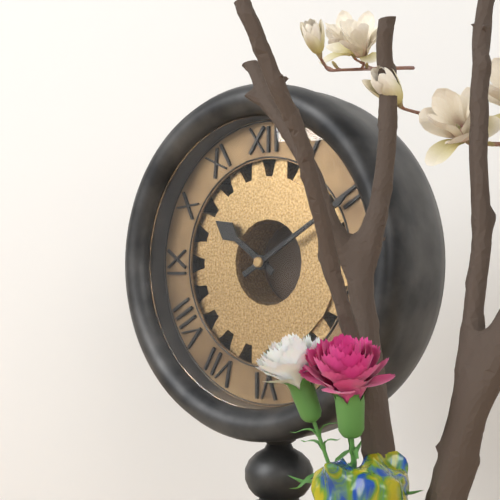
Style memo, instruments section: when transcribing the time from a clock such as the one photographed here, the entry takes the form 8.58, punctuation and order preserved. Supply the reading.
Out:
10.10
